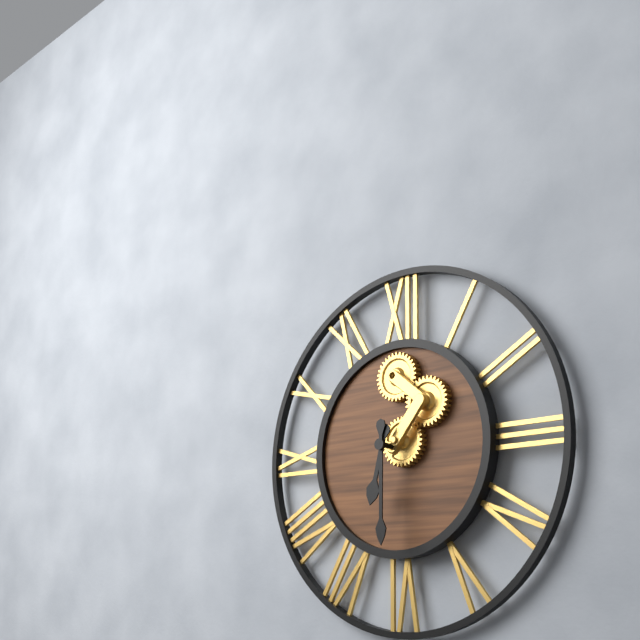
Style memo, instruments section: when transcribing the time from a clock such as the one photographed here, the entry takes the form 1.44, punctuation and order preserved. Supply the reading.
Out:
6.30
